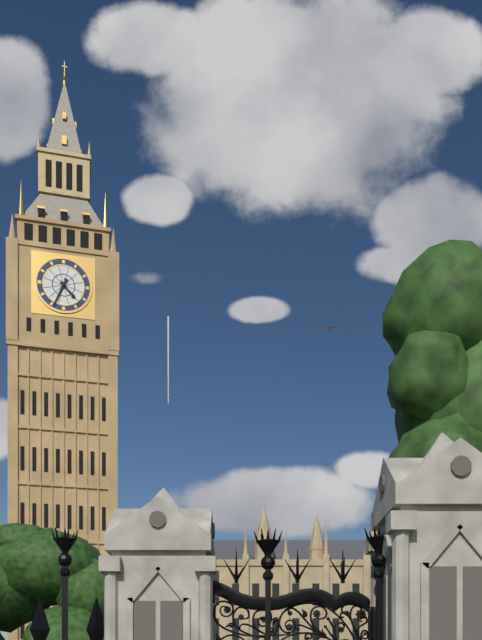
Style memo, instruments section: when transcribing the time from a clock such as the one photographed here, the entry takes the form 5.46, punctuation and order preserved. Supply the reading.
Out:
4.34
